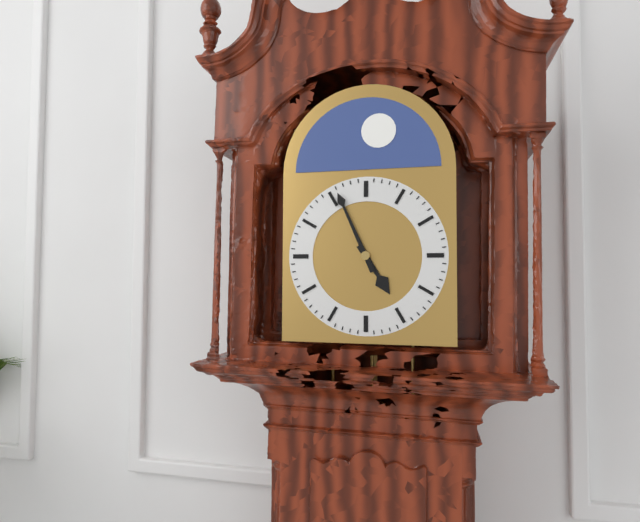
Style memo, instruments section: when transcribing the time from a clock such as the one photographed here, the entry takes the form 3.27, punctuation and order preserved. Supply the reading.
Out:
4.56
